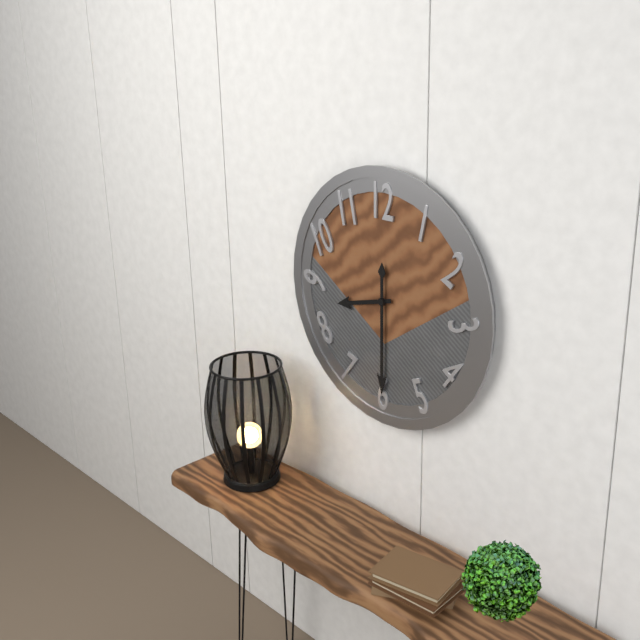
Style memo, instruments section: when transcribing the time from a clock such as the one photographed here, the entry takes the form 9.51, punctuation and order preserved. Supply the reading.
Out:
8.30
